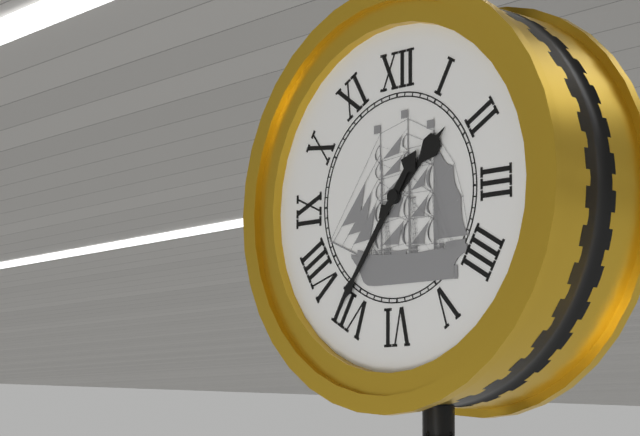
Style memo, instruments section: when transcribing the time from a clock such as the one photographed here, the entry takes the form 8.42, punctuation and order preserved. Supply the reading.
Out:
1.36
